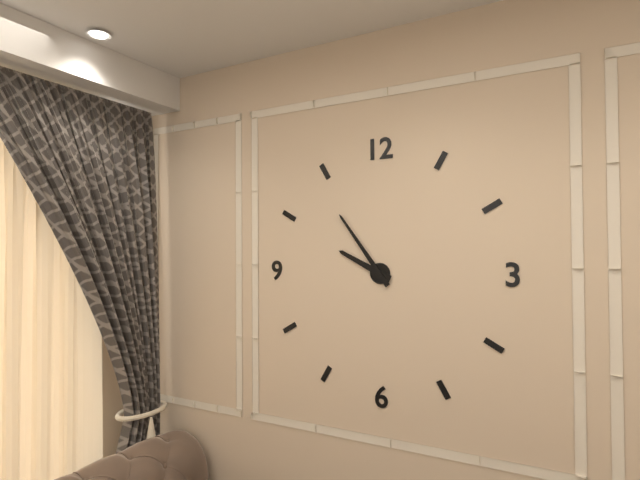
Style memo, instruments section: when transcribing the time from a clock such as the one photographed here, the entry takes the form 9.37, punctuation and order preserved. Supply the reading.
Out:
9.54
